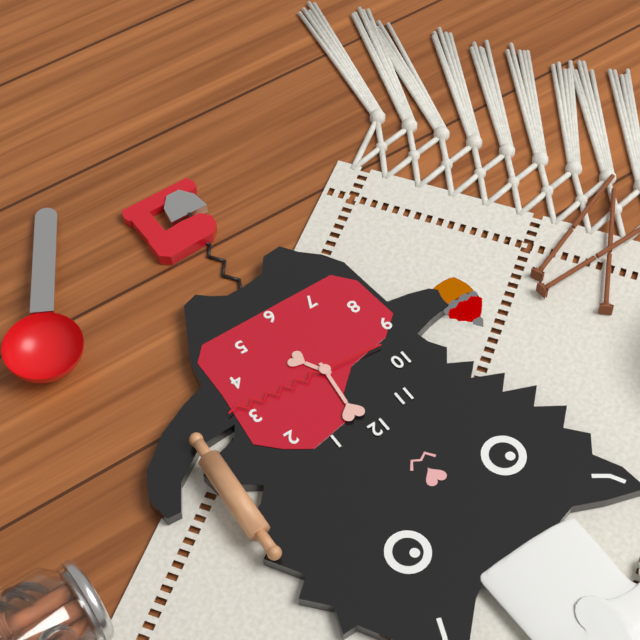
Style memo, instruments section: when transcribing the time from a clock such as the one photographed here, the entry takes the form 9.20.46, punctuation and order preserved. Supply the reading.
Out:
5.01.16
